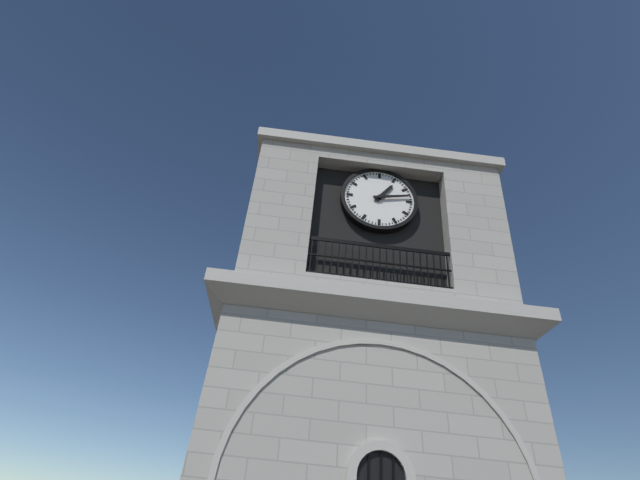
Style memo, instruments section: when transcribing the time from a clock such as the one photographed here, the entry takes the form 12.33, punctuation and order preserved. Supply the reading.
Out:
1.13
